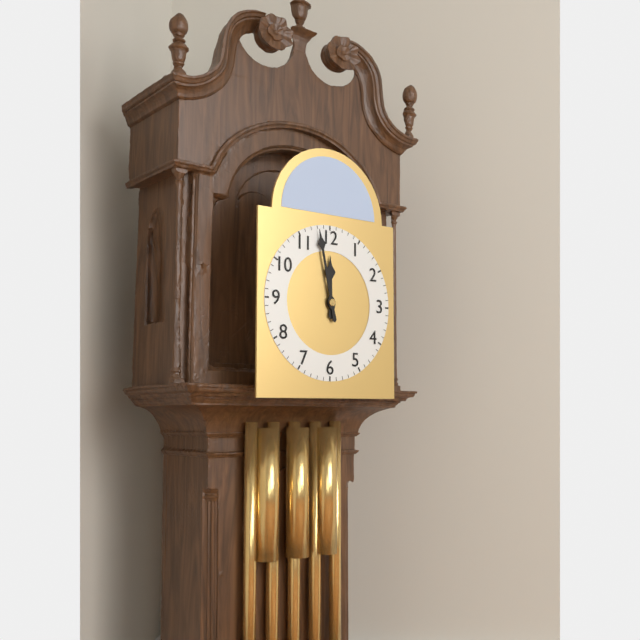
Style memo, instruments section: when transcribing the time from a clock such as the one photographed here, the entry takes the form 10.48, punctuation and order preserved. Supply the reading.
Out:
11.58
